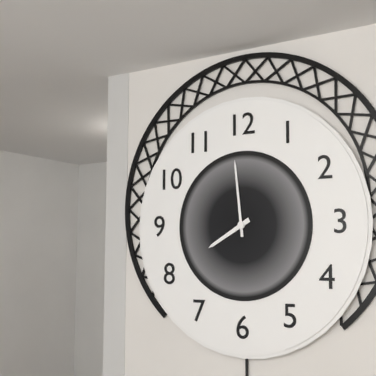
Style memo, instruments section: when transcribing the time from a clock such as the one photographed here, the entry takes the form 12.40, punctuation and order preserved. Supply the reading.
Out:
7.59
